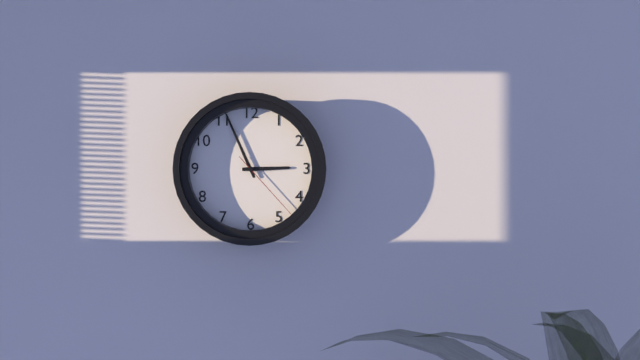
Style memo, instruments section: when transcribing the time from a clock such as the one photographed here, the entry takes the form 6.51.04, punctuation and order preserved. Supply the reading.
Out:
2.56.23
